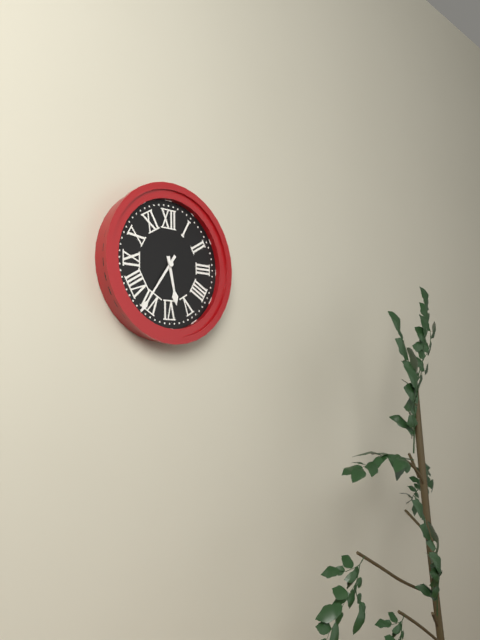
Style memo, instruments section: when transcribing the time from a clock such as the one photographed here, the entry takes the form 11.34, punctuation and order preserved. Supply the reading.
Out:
5.36
